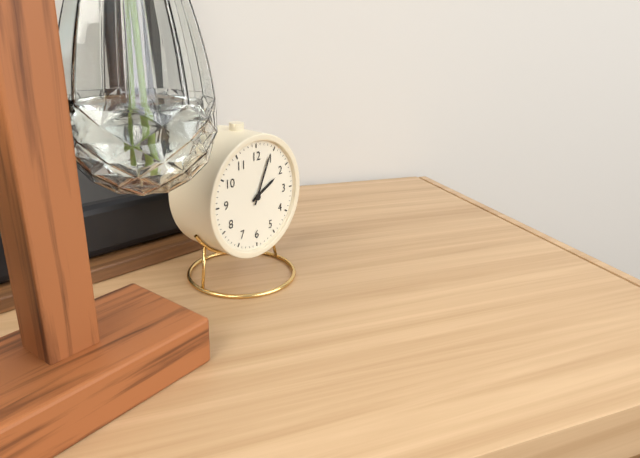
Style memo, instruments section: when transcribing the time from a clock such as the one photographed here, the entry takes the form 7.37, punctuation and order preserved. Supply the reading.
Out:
2.04
